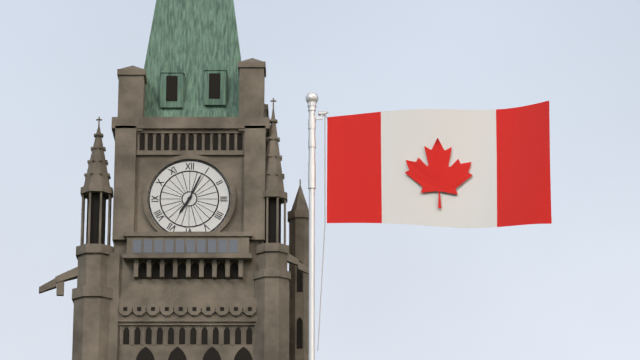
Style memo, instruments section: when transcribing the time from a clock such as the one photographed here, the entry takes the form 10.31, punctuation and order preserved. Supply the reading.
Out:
7.04
